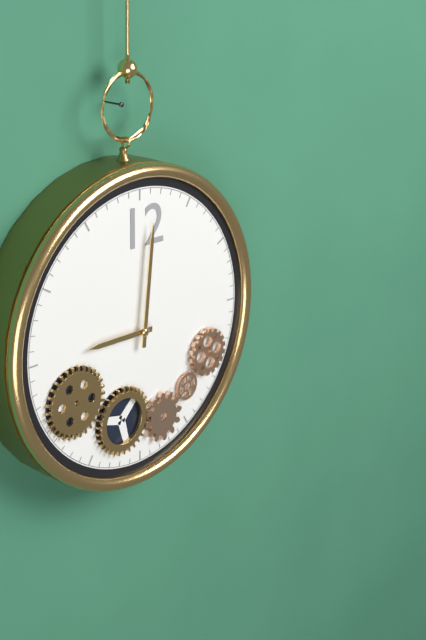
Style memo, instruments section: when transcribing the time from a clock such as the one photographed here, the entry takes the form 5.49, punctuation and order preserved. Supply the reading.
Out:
9.01
